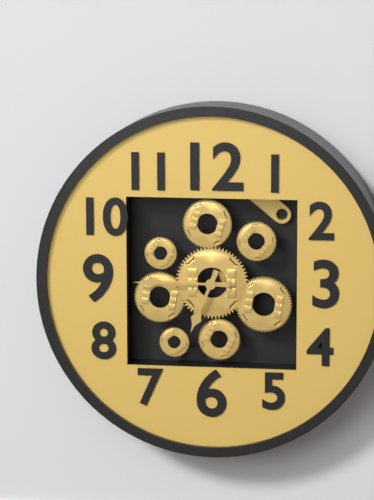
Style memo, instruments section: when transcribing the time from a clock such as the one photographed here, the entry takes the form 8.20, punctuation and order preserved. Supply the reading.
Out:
6.45
